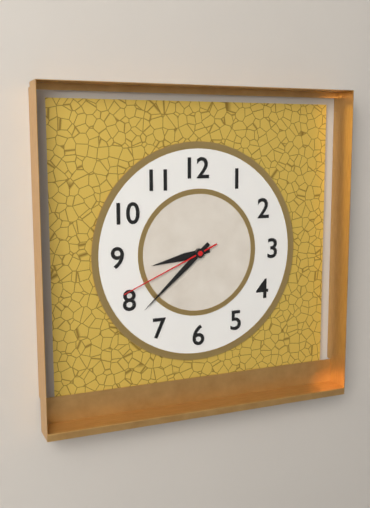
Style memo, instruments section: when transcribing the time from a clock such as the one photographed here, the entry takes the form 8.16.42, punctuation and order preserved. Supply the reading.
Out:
8.38.41
